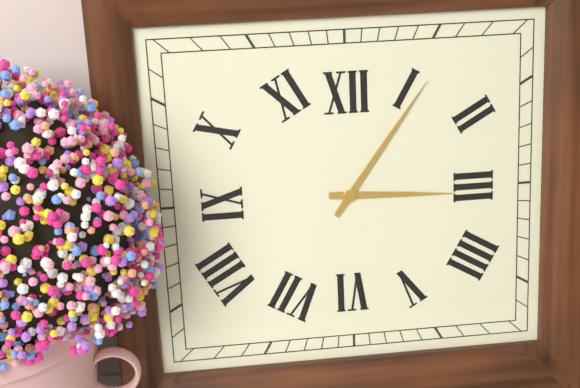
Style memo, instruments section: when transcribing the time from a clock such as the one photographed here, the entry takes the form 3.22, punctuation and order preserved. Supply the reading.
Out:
3.06
